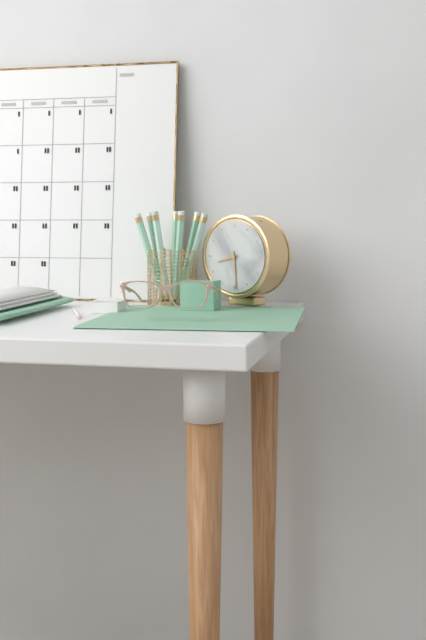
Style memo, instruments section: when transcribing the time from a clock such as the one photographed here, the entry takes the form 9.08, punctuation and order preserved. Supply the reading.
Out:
8.29
